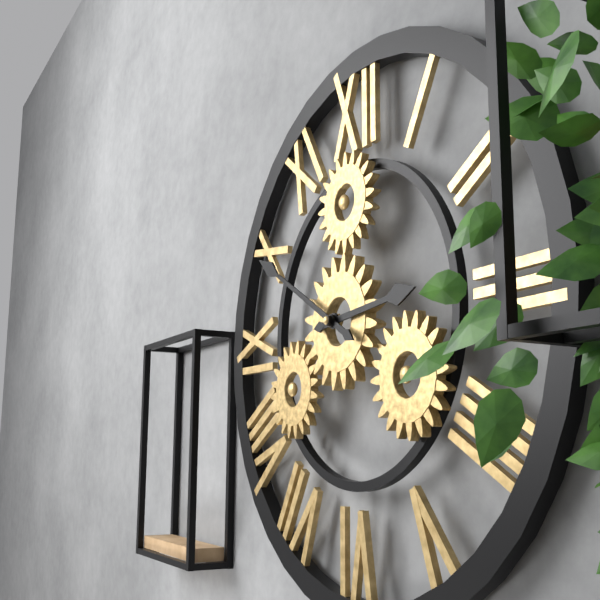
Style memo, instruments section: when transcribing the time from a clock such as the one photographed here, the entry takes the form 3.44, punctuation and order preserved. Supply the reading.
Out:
2.50
